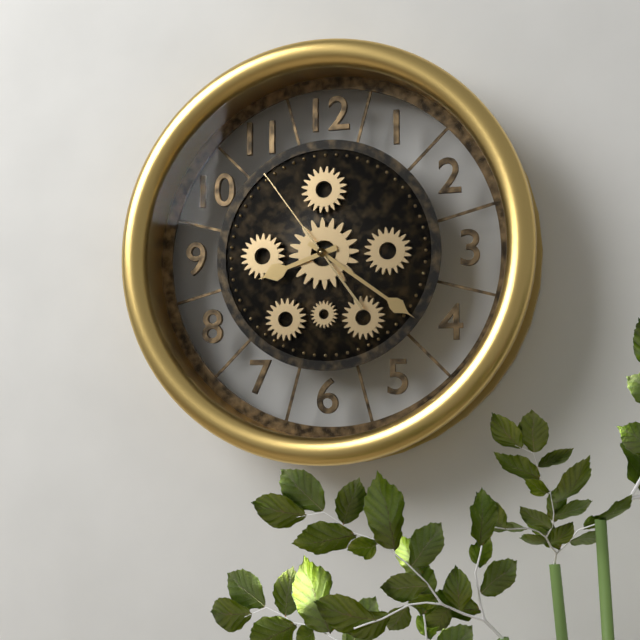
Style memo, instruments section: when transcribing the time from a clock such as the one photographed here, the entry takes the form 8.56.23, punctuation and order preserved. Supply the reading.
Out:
8.21.54
